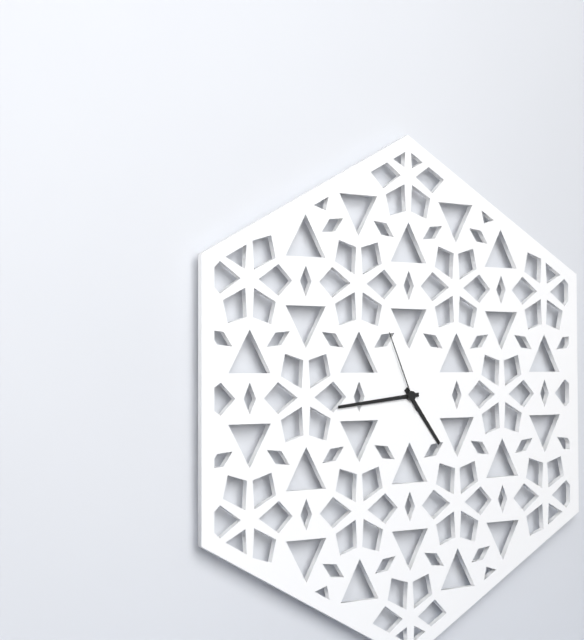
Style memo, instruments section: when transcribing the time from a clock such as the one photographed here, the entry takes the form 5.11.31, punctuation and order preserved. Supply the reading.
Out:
4.44.56
